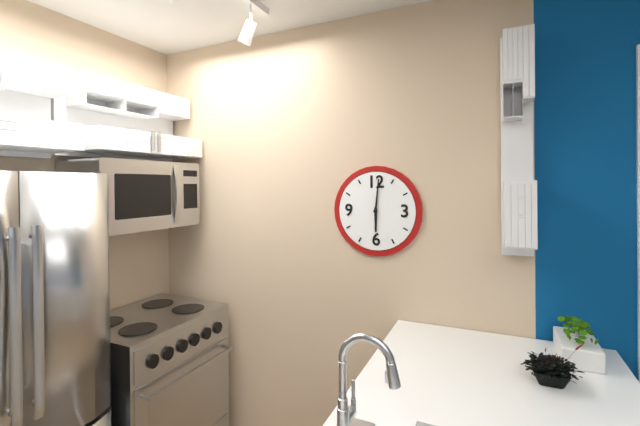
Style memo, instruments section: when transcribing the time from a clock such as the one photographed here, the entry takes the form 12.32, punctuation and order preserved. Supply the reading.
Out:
6.01
